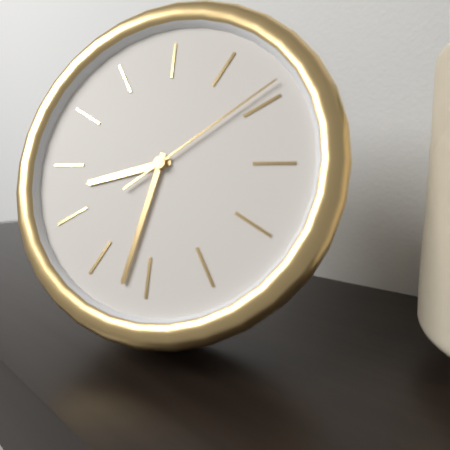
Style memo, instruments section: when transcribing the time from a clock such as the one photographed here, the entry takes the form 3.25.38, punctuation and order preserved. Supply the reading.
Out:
8.32.09
